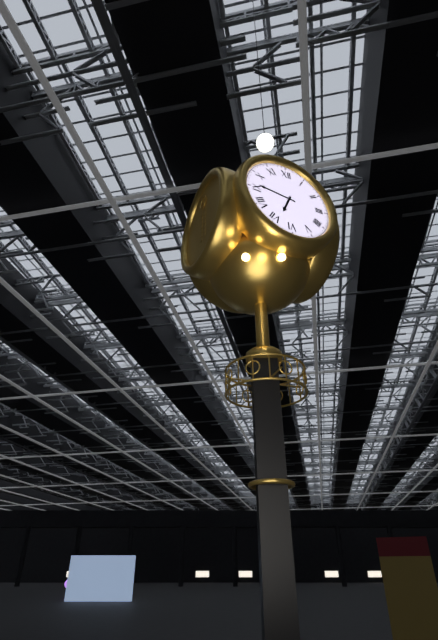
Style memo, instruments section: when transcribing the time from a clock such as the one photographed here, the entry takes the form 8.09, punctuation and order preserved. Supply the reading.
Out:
6.46
